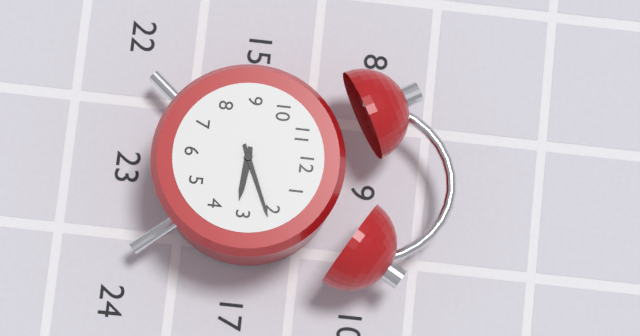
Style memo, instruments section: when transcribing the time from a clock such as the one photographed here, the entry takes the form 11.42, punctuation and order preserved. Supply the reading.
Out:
3.11
